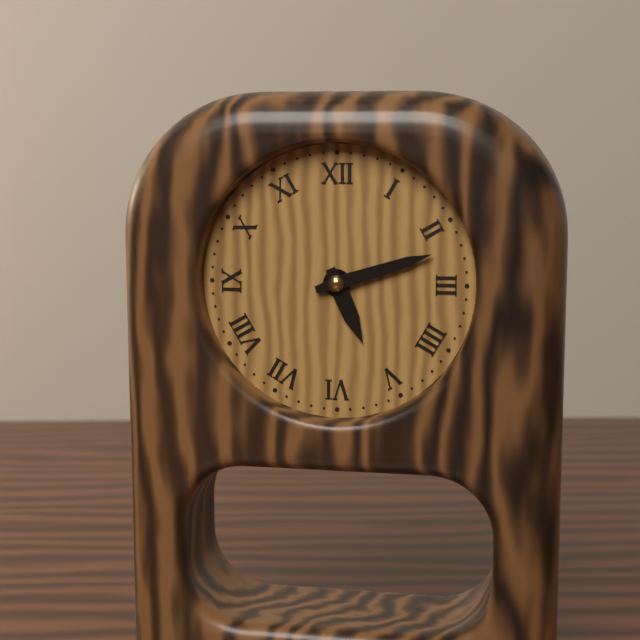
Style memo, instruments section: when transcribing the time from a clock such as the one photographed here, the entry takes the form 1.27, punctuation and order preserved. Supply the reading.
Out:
5.12
